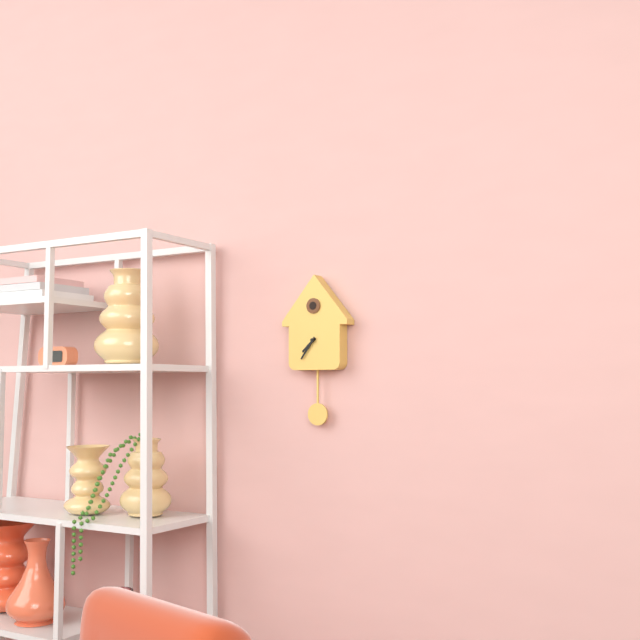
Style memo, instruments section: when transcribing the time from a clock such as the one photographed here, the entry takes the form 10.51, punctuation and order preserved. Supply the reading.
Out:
7.36
